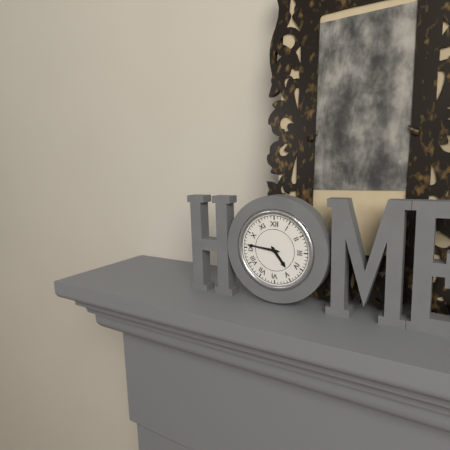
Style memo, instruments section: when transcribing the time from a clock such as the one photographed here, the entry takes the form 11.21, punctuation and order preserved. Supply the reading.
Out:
4.46
